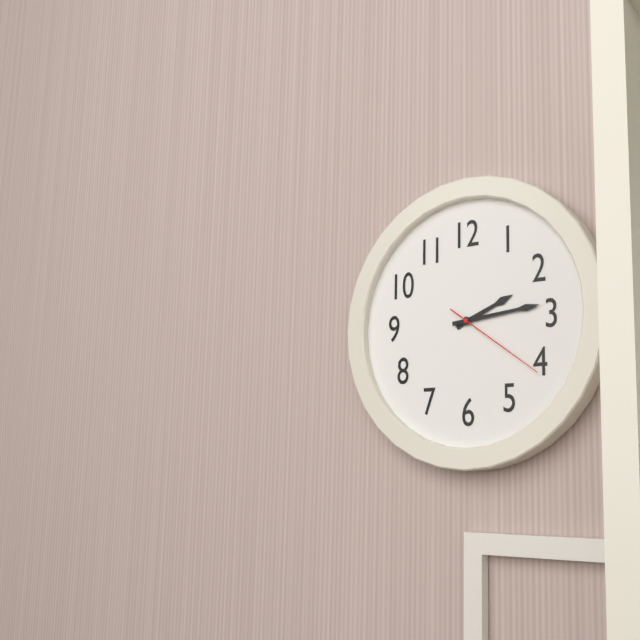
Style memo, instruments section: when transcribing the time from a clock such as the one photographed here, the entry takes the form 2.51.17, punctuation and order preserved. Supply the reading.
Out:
2.14.21
